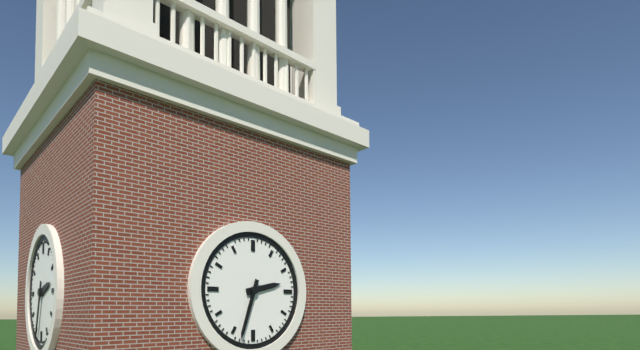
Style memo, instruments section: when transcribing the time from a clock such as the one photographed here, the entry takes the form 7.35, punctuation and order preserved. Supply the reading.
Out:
2.33
